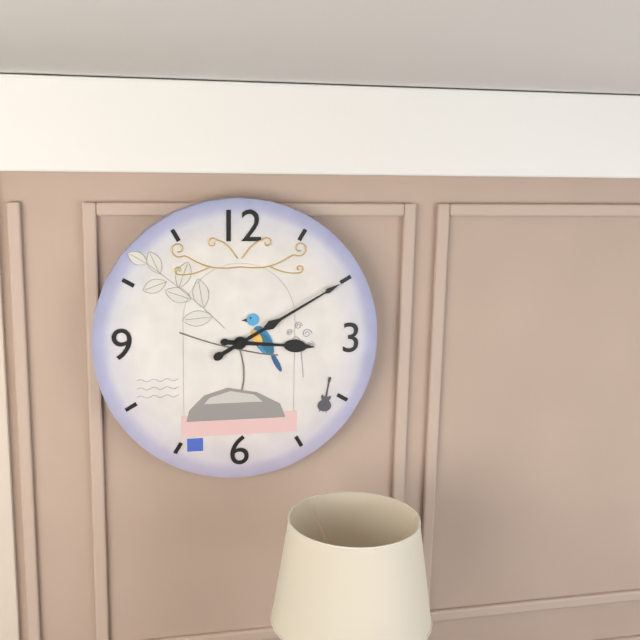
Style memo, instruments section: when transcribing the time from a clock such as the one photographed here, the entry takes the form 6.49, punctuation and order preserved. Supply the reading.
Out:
3.10
